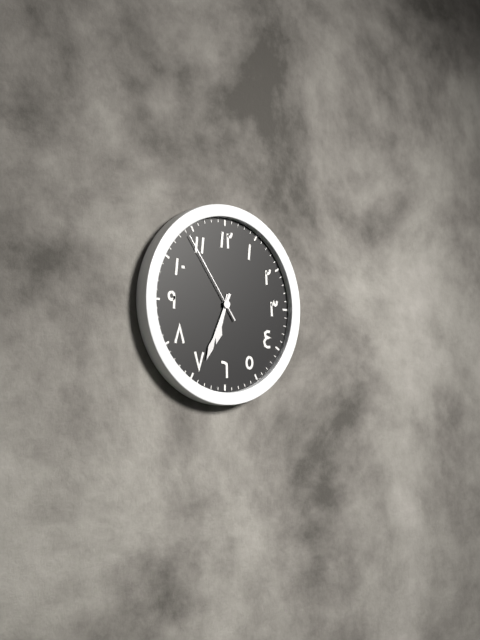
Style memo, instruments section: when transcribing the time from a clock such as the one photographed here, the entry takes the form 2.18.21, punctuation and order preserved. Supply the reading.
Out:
6.34.54
